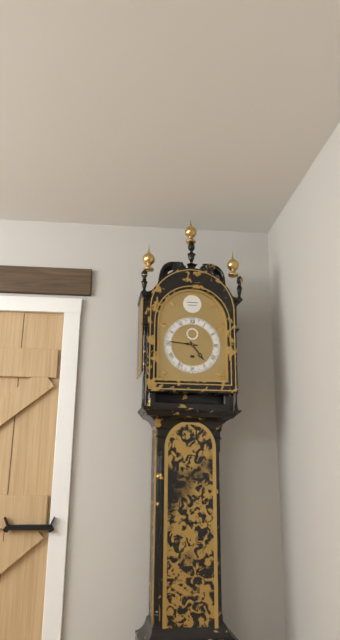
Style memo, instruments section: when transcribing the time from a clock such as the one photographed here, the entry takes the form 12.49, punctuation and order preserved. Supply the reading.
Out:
4.46
